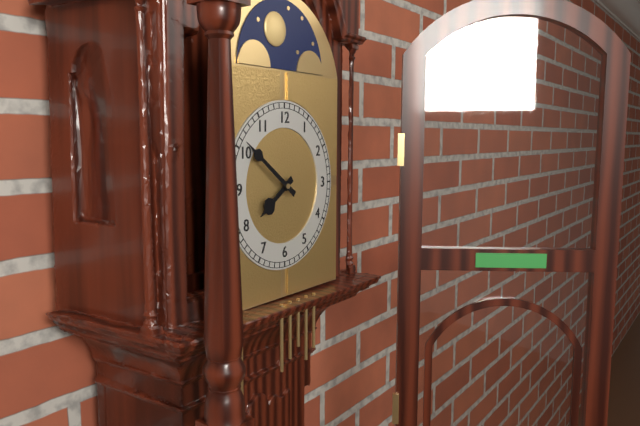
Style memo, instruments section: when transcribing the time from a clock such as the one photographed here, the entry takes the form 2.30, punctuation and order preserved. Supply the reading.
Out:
7.51
